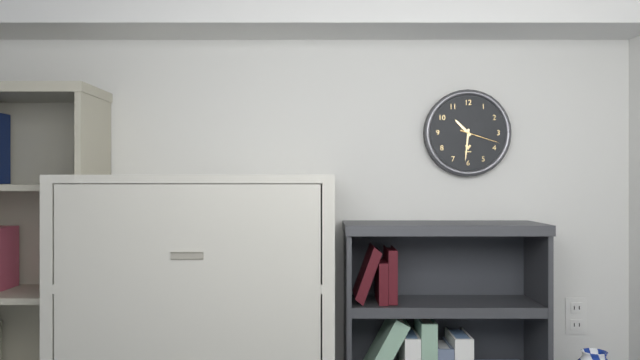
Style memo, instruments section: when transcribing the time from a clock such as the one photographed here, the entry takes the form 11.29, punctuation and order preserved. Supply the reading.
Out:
10.31
